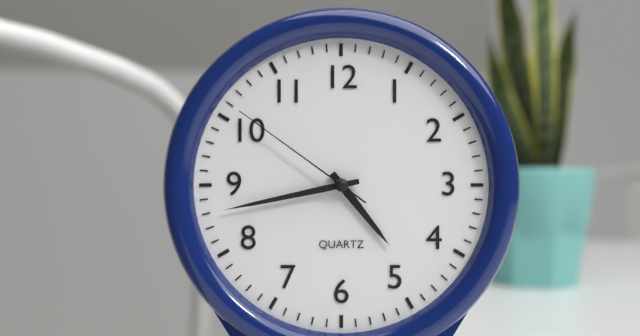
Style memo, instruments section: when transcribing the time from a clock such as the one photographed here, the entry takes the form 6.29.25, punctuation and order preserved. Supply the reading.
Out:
4.43.51
